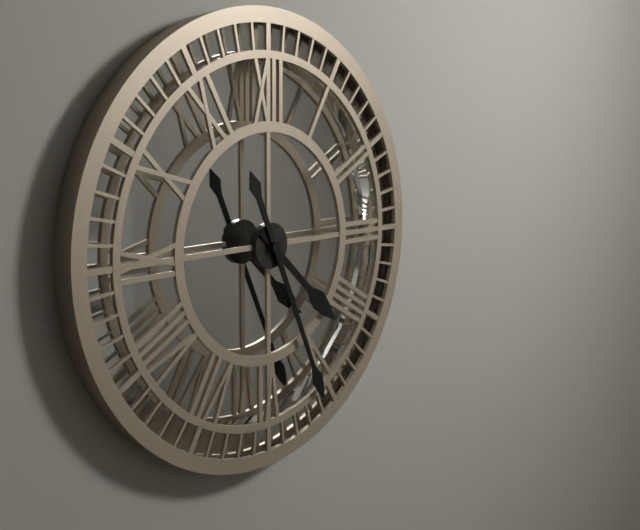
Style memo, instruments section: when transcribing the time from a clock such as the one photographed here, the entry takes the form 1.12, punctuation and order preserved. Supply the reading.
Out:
4.26
